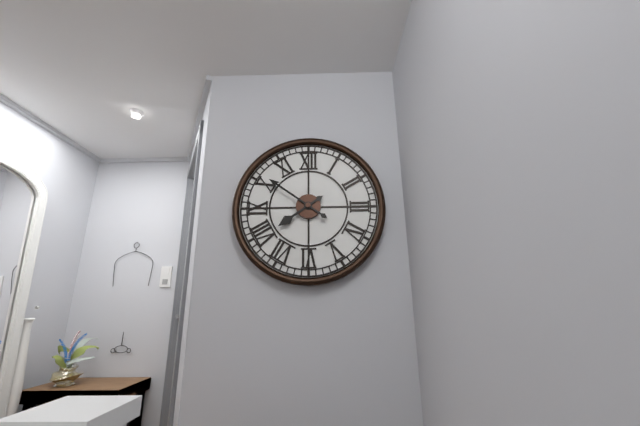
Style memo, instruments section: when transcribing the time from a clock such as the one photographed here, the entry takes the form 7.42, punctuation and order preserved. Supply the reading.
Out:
7.51
